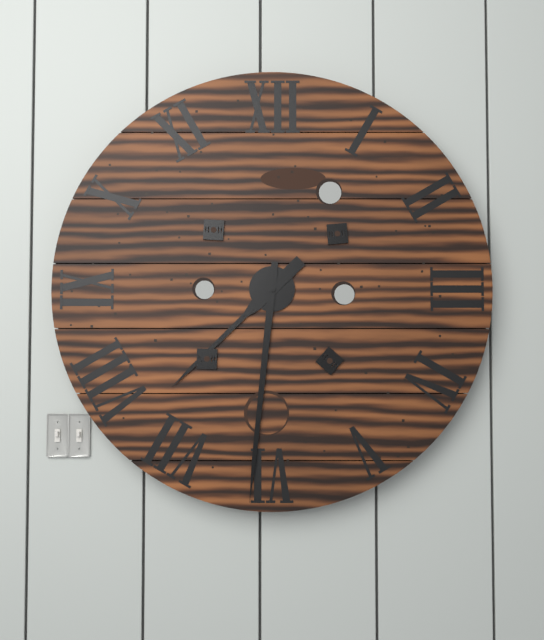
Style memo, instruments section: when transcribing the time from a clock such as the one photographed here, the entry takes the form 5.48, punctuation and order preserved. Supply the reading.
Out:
7.31
